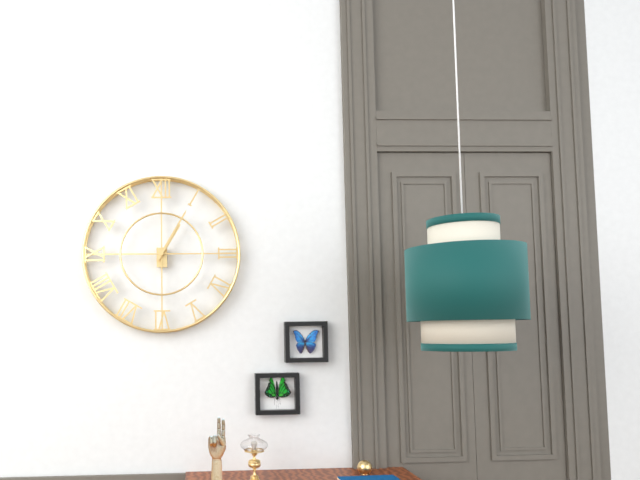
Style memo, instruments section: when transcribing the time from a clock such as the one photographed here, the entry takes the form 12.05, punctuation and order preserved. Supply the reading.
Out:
1.05
